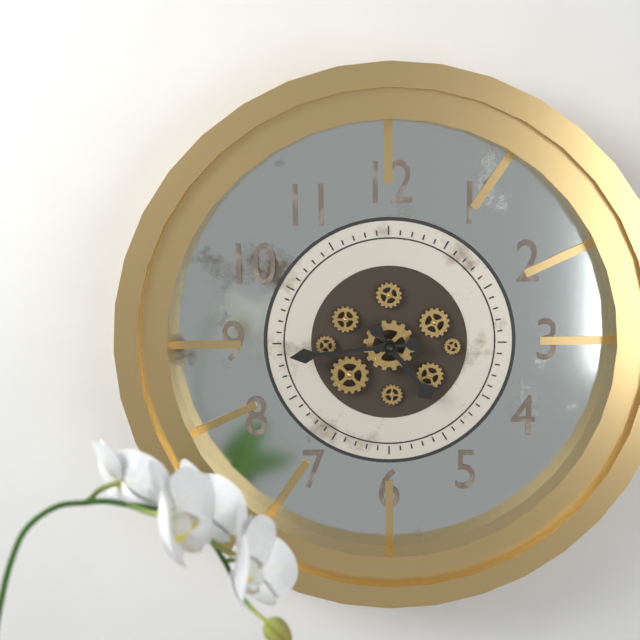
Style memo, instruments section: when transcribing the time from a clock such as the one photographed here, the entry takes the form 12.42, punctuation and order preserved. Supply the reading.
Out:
4.44
